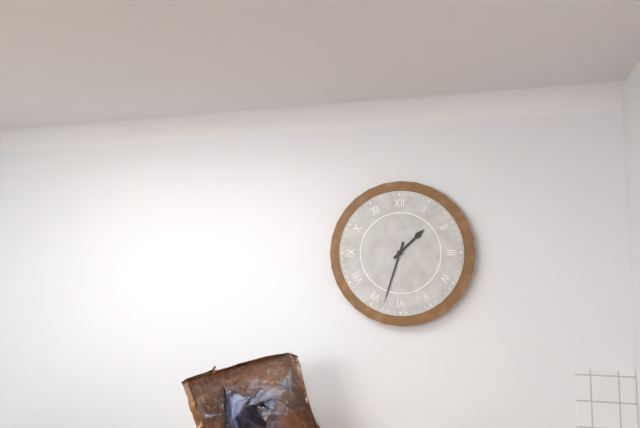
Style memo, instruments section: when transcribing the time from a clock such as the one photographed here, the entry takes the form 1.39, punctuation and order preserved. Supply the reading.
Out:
1.33
